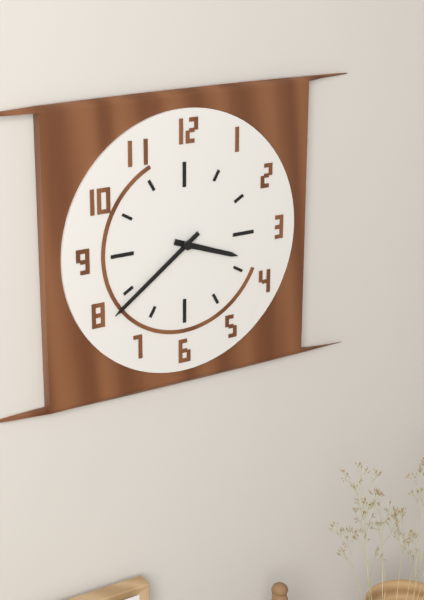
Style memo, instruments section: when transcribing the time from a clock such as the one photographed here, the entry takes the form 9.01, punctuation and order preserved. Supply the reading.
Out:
3.39
